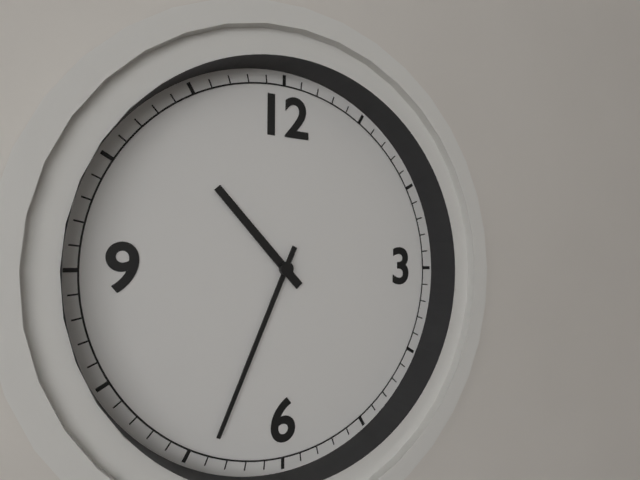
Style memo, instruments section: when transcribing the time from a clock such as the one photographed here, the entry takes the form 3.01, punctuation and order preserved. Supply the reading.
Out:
10.34
